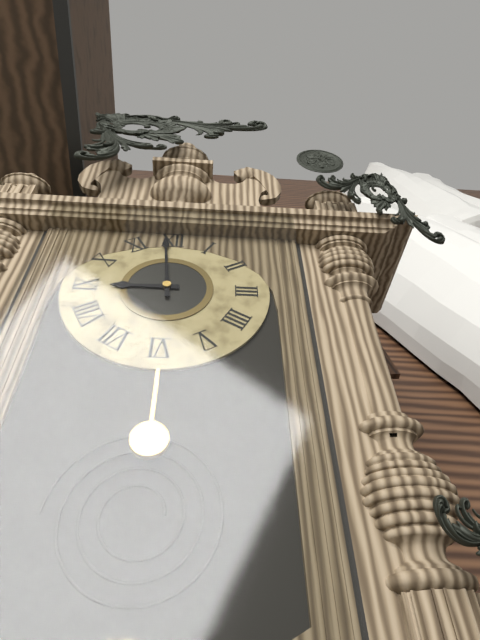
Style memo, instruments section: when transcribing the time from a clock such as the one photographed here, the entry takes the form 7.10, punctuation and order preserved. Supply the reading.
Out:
8.59
